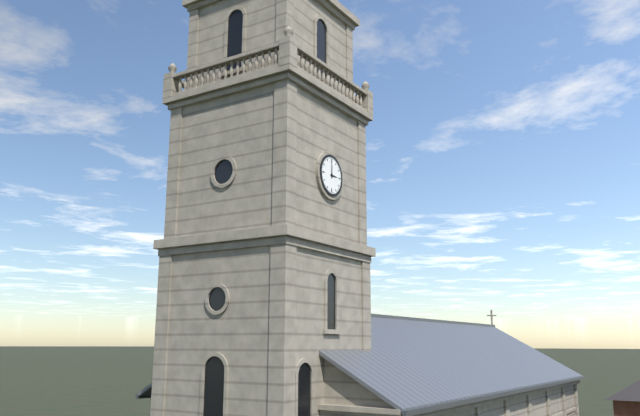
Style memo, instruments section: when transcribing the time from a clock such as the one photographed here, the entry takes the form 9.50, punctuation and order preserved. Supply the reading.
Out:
3.00
